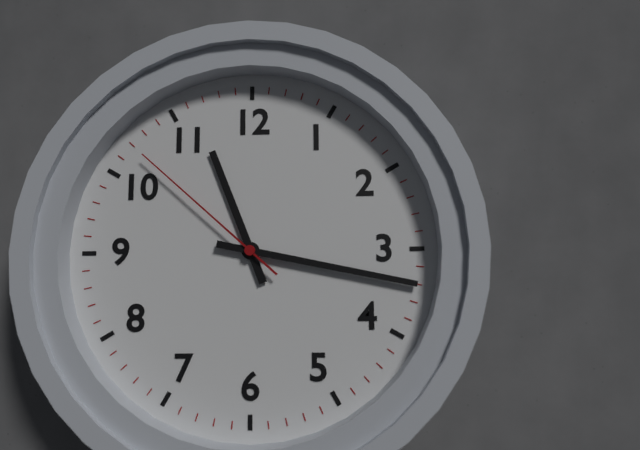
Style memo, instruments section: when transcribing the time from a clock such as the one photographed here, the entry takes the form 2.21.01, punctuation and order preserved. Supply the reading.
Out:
11.17.52
